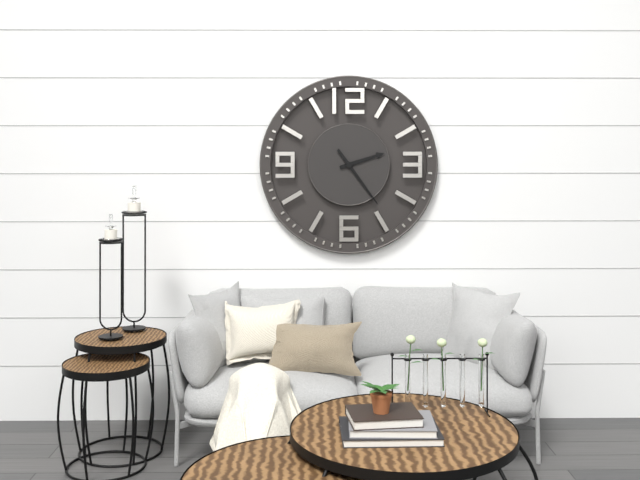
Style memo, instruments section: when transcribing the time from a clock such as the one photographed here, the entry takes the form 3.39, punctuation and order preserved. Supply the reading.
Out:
2.24
